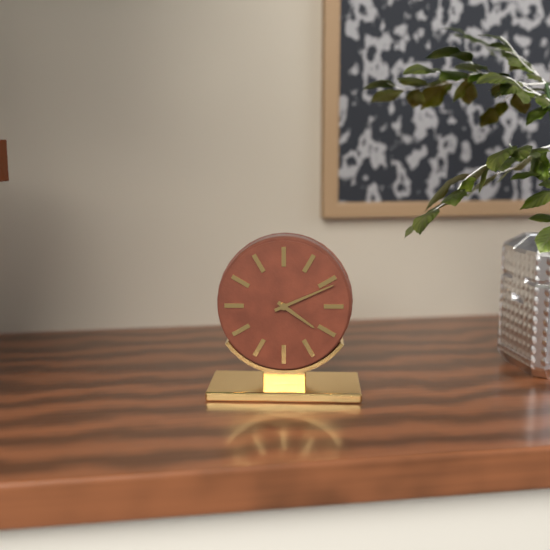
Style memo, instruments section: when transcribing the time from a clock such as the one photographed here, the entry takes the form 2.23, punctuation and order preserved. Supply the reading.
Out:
4.11
